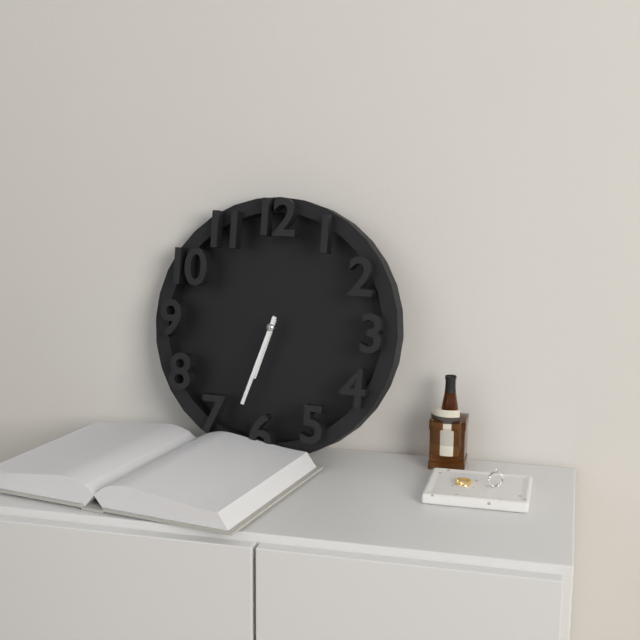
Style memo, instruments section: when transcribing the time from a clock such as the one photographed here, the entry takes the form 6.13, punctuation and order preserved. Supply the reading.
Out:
6.33
